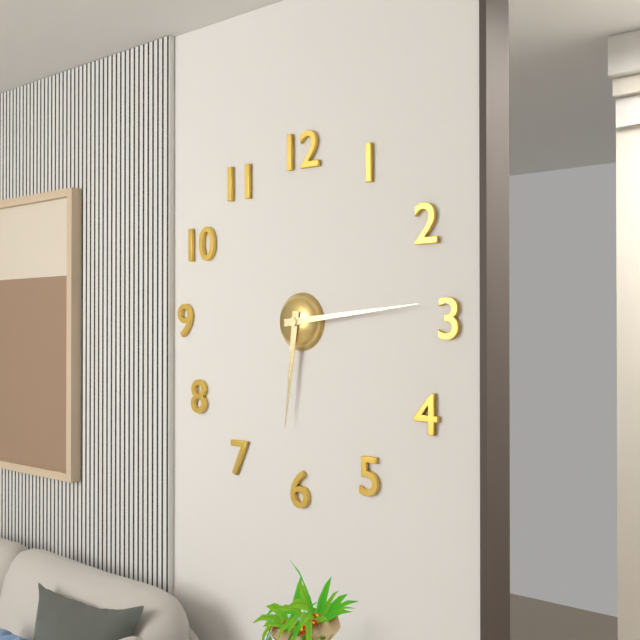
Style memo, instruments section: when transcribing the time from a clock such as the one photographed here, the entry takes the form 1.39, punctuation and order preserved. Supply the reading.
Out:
6.14
